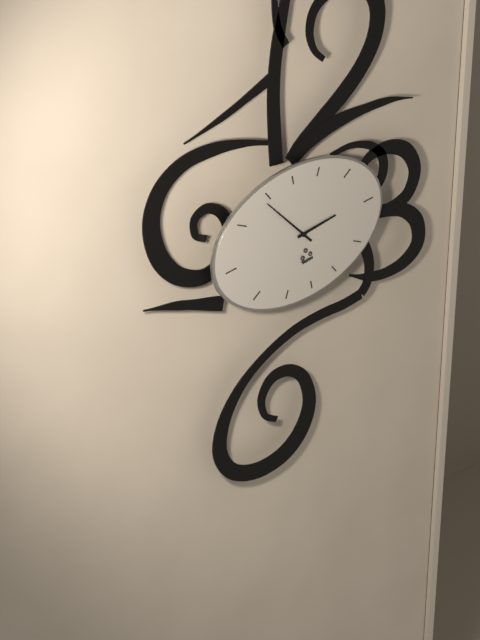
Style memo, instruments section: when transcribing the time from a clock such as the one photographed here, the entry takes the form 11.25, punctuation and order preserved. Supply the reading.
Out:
2.54
